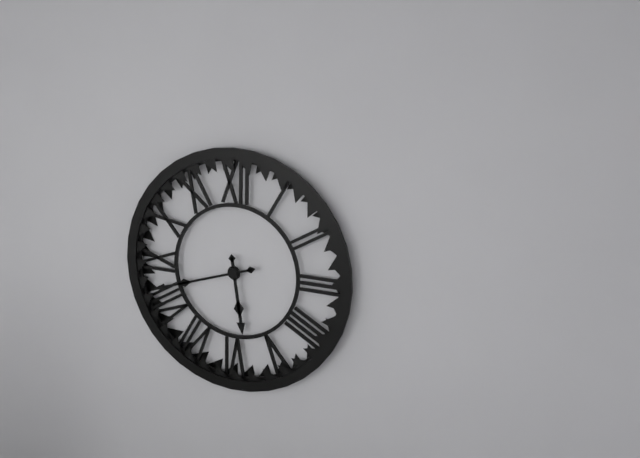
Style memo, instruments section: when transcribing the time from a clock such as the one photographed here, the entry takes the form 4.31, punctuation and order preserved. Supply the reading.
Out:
5.42
